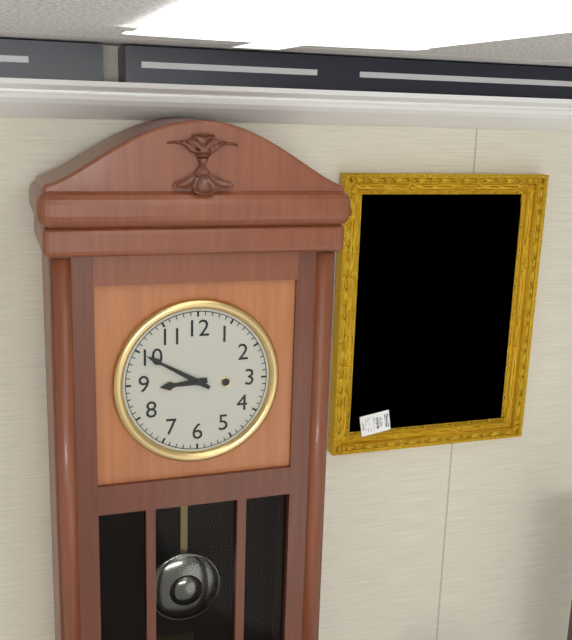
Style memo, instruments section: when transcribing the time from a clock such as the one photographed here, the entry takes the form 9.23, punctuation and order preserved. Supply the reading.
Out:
8.50
